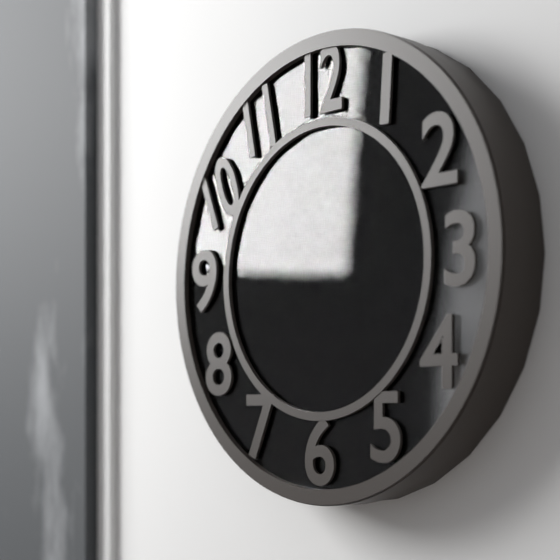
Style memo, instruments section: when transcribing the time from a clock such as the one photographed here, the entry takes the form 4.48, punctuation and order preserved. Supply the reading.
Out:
7.50
